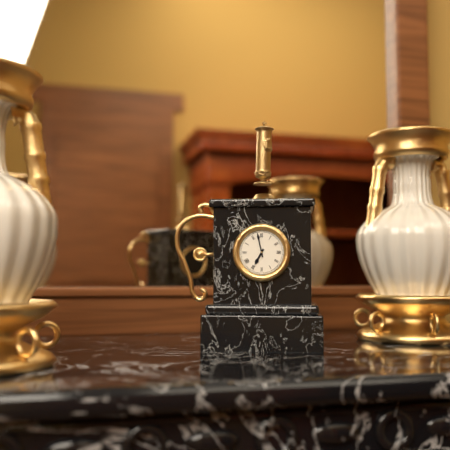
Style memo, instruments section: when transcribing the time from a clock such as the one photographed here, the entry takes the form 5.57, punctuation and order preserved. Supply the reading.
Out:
6.58
